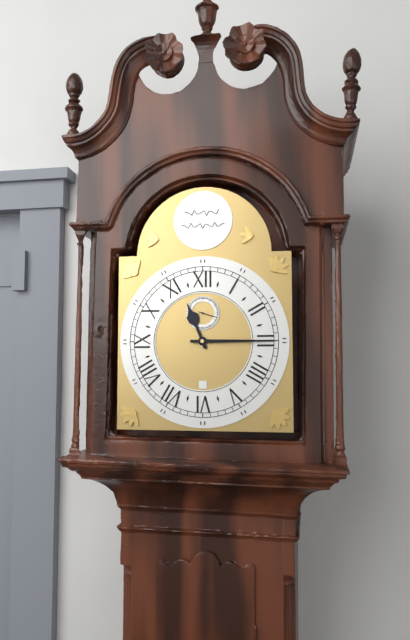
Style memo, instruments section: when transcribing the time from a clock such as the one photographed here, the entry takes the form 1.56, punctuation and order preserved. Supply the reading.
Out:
11.15
